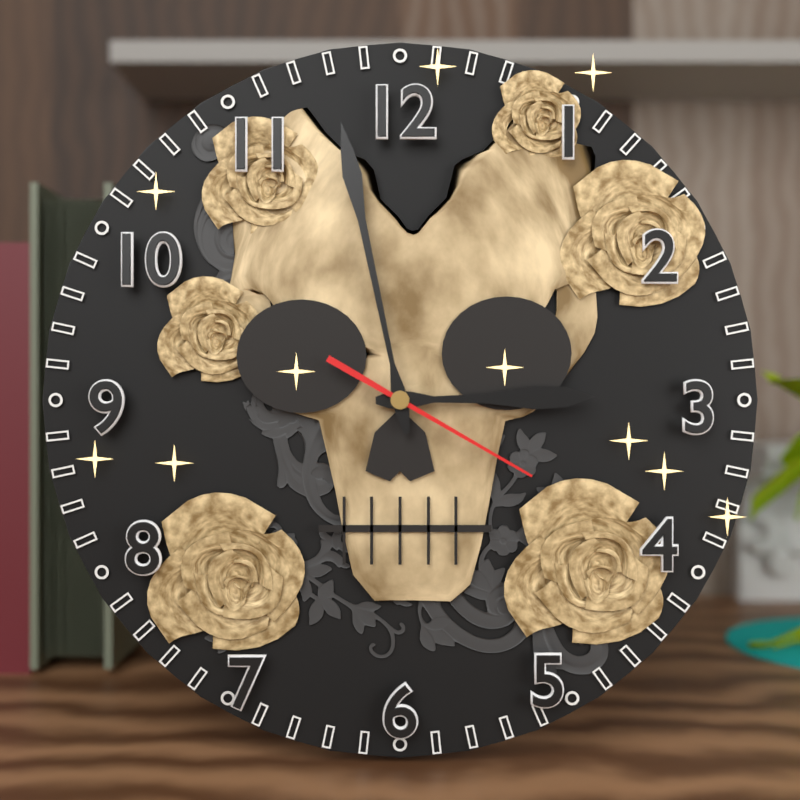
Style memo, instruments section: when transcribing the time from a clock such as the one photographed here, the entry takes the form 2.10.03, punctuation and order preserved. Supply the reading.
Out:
2.58.20
